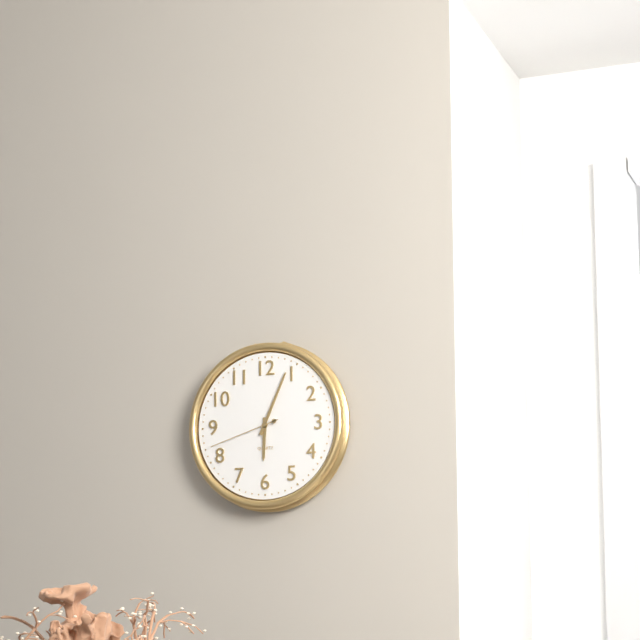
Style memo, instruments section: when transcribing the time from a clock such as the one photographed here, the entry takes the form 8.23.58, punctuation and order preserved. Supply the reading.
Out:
6.04.42
